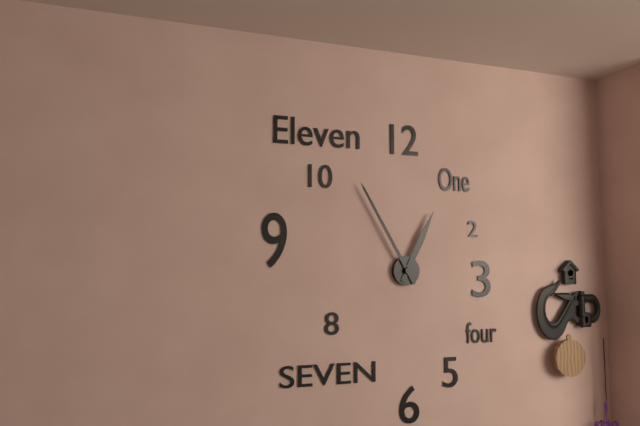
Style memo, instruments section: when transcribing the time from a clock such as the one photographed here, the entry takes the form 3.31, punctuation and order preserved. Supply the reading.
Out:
12.55
